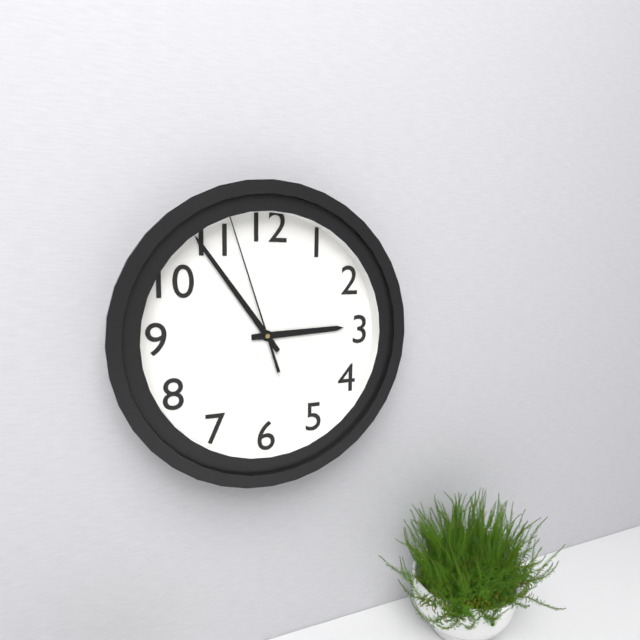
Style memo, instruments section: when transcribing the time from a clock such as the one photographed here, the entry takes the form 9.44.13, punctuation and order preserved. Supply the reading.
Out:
2.54.57
